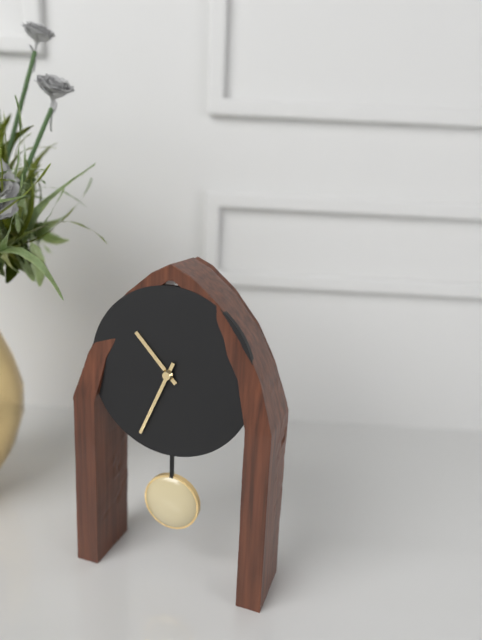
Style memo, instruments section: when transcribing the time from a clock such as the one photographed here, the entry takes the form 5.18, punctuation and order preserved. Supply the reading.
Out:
10.34
